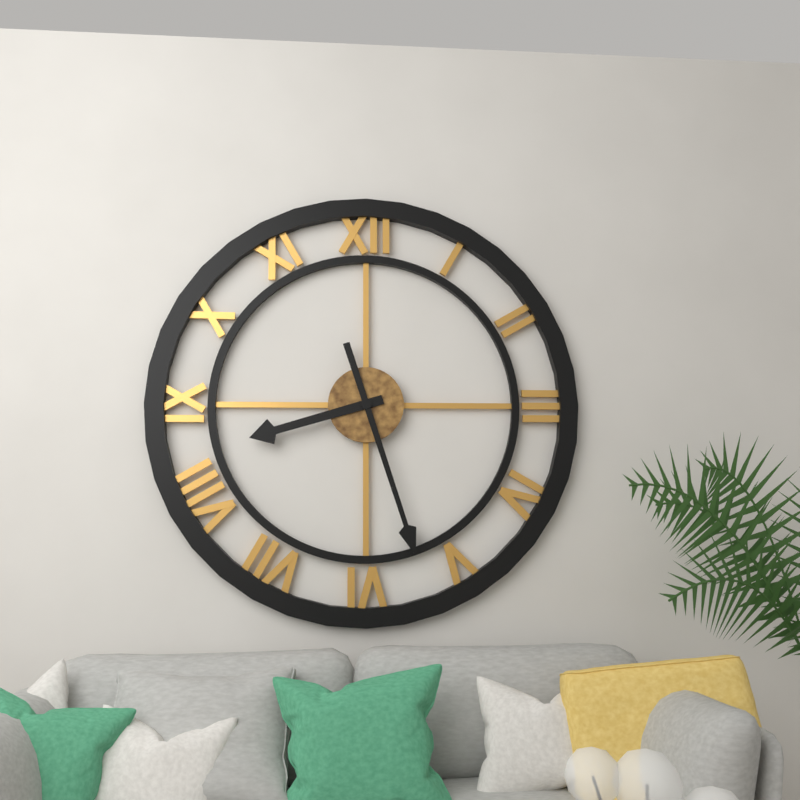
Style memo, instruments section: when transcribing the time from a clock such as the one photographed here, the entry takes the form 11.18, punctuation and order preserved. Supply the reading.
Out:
8.27
